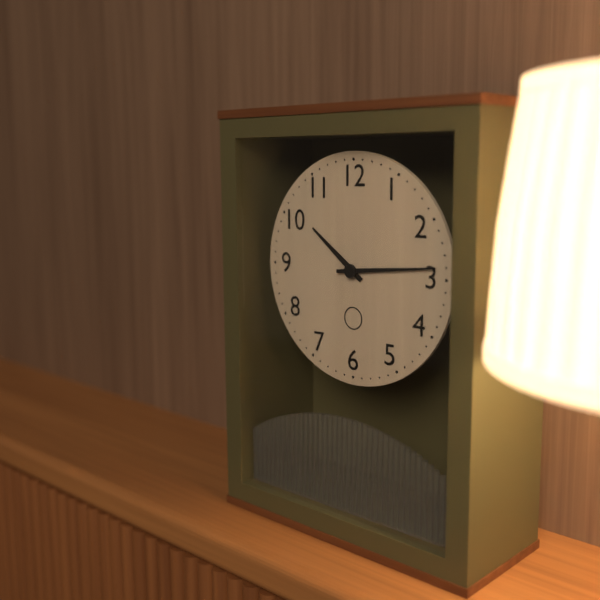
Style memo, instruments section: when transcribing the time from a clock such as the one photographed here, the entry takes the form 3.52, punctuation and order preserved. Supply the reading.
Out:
10.14
